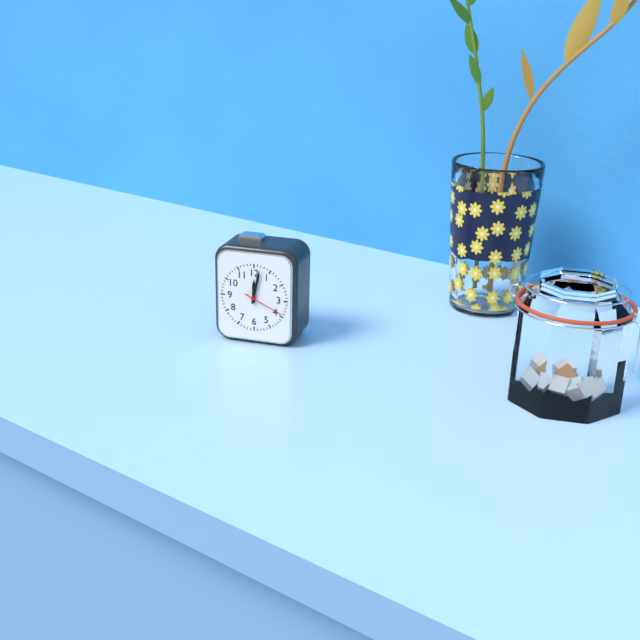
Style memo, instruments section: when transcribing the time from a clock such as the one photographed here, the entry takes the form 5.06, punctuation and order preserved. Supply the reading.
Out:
12.02
